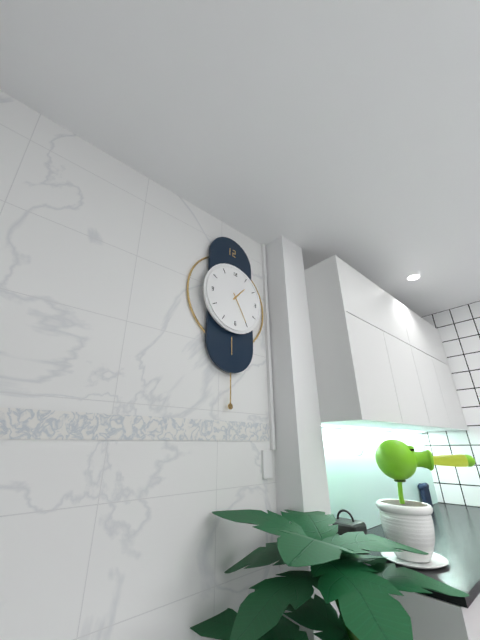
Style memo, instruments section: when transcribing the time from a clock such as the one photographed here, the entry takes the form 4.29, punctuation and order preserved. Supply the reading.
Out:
1.25
